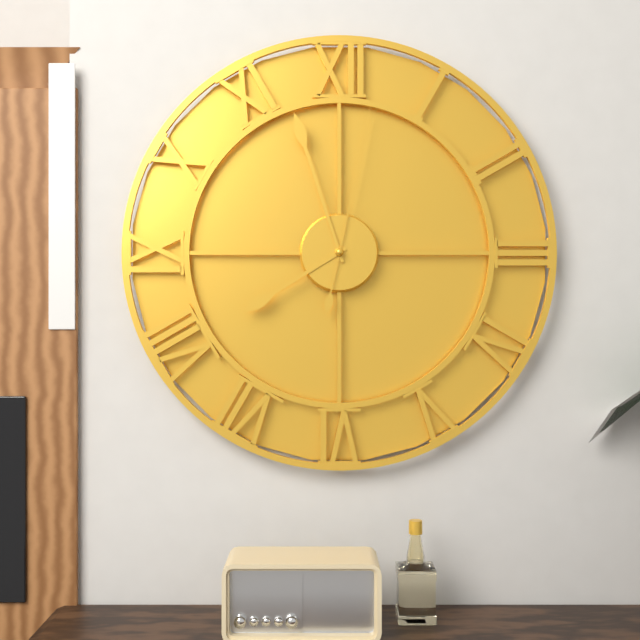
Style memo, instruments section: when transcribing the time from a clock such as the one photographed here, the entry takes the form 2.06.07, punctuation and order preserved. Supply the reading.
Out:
7.57.02
